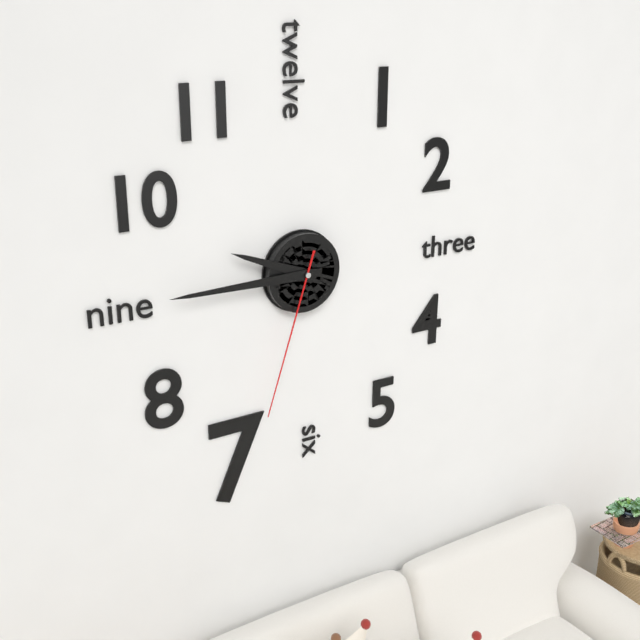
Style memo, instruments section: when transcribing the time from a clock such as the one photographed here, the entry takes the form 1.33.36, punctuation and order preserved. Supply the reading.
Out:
9.45.33
